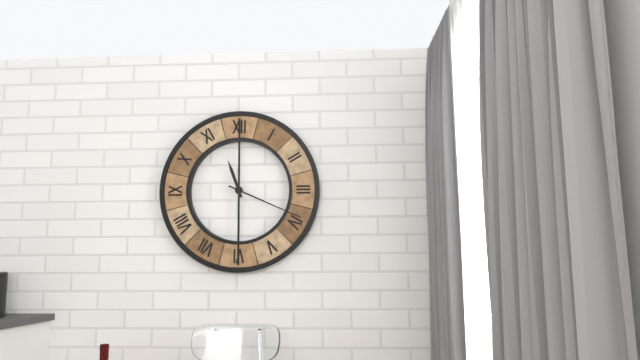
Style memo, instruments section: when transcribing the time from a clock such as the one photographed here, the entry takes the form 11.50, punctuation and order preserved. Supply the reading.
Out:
11.19
